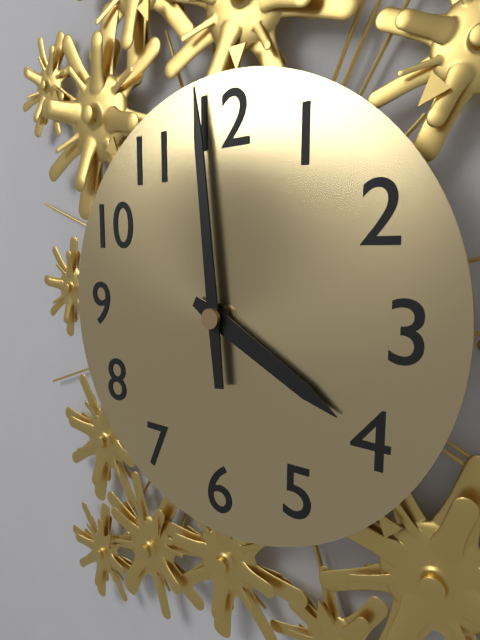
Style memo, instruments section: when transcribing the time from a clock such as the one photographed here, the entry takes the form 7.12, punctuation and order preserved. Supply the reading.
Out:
3.59
